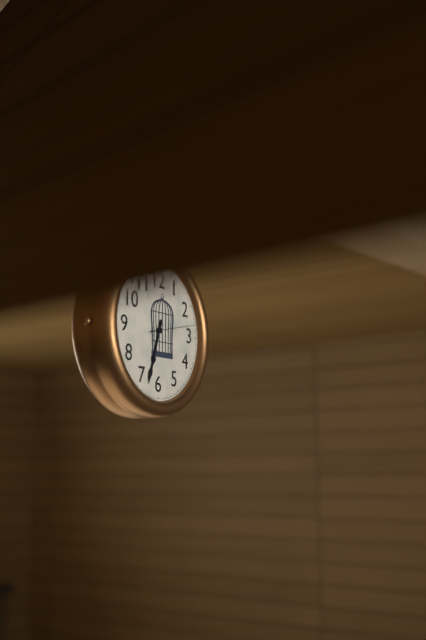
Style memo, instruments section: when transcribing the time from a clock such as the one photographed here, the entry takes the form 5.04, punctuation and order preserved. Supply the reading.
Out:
6.33
